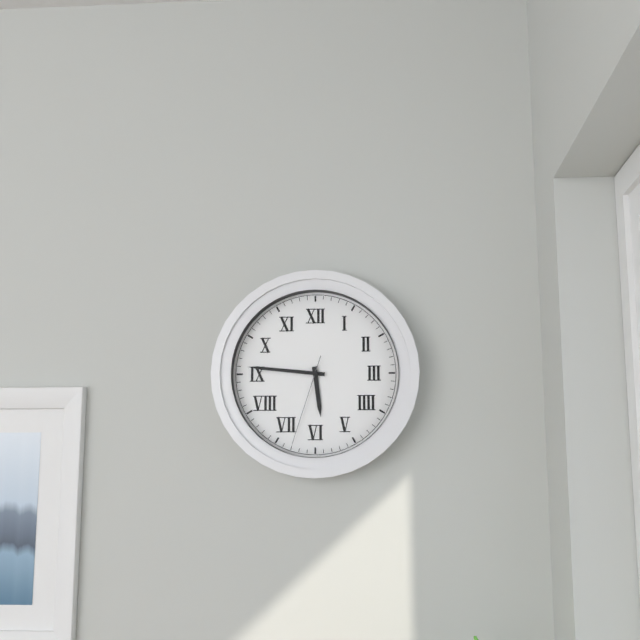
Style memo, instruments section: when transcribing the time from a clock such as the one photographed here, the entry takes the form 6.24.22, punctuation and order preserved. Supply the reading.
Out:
5.46.33
